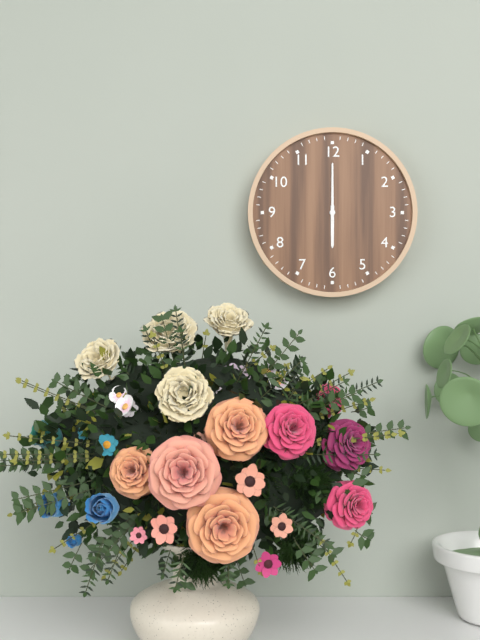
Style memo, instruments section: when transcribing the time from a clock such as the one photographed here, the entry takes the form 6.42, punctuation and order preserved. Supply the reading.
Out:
6.00
